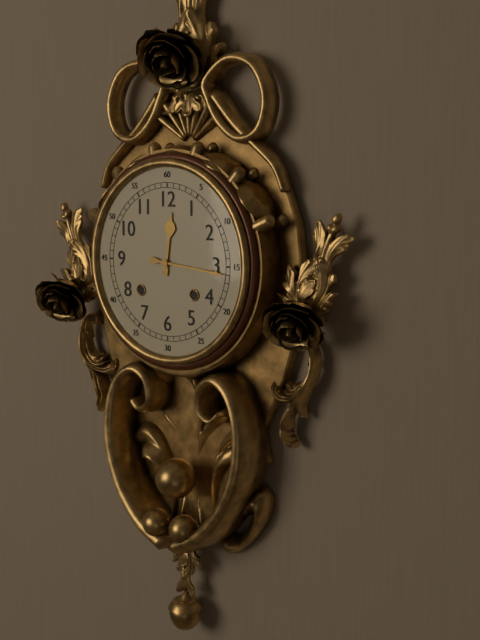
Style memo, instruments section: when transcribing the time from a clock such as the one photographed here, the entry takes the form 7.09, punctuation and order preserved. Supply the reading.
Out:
12.16
